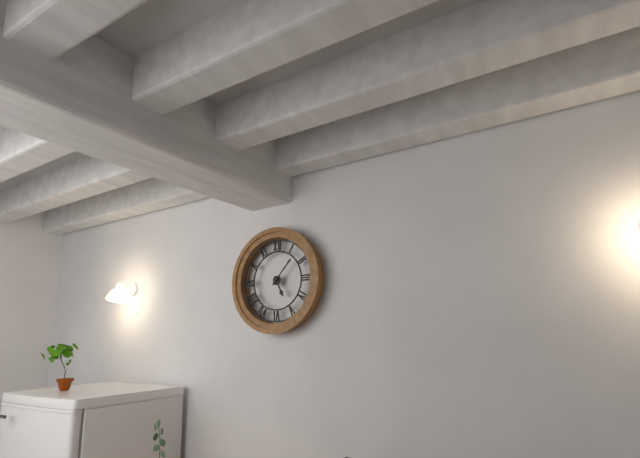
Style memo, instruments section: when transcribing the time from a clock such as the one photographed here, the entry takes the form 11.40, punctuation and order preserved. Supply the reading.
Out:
5.07
